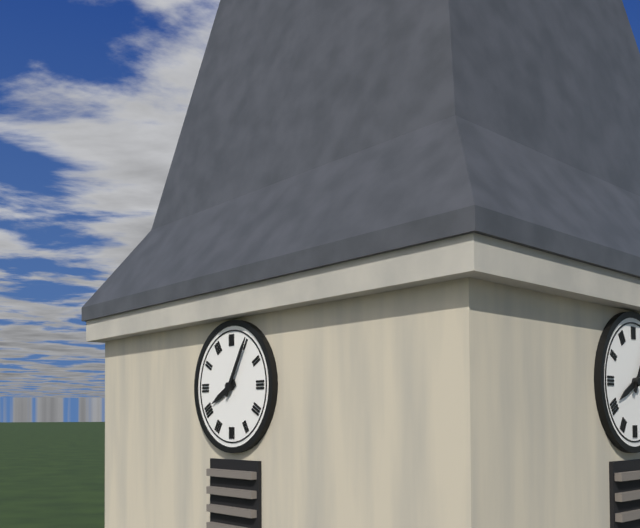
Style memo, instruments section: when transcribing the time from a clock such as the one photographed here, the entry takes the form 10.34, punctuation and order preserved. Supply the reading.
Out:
8.05
